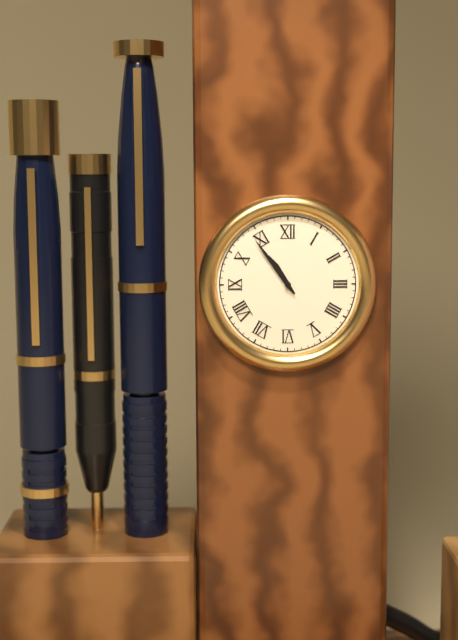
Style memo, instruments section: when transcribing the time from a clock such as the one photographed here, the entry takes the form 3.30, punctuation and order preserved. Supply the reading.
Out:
10.54
